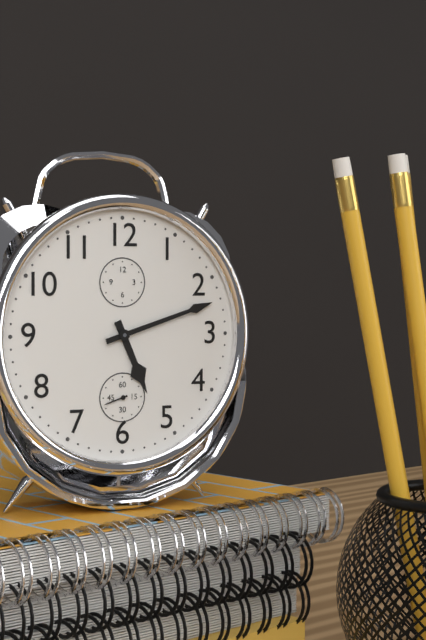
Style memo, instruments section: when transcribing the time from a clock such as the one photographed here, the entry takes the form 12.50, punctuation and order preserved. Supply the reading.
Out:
5.12
